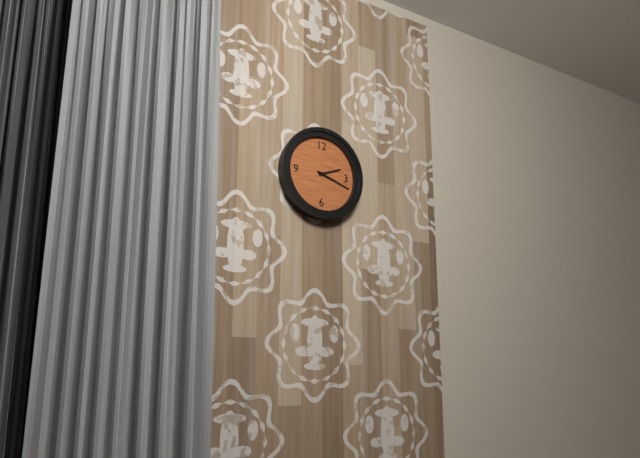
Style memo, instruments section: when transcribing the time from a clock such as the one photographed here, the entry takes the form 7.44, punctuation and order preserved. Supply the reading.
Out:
2.18
